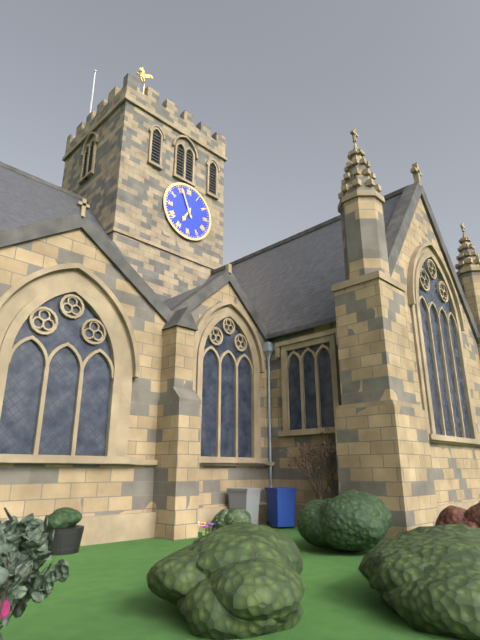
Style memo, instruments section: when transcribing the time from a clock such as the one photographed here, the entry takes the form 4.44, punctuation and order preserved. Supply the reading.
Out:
6.56
